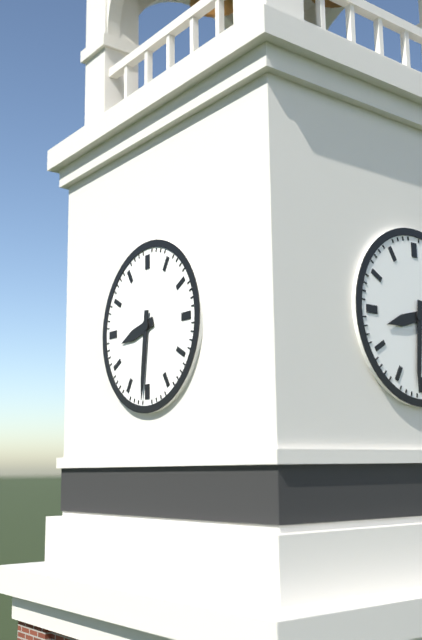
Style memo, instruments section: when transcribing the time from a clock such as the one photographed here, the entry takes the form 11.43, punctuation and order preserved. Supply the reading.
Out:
8.31
